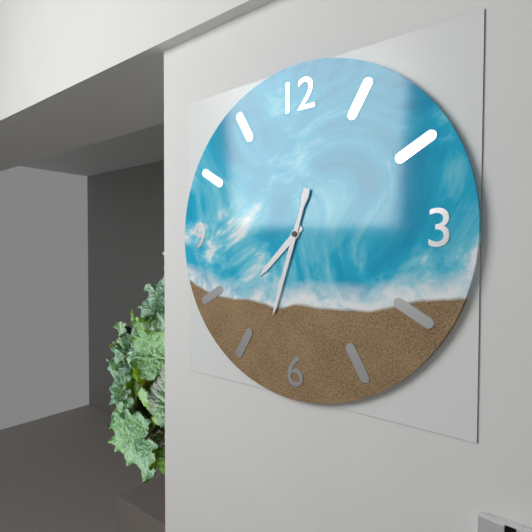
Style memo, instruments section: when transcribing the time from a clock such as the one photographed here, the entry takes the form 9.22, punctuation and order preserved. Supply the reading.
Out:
7.33
